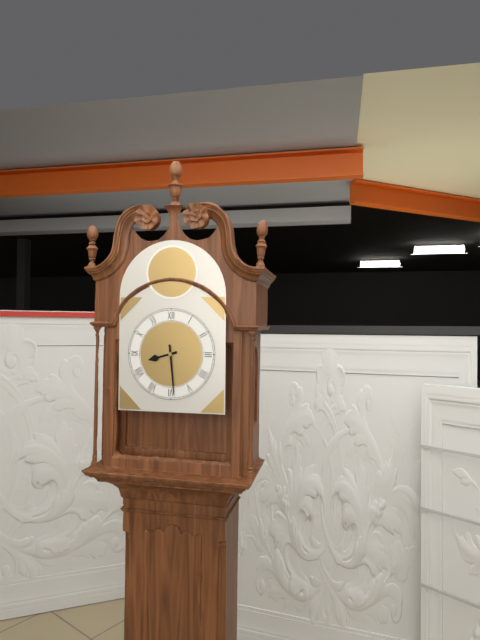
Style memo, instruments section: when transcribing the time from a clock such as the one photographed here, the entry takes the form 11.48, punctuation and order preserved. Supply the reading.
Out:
8.29
